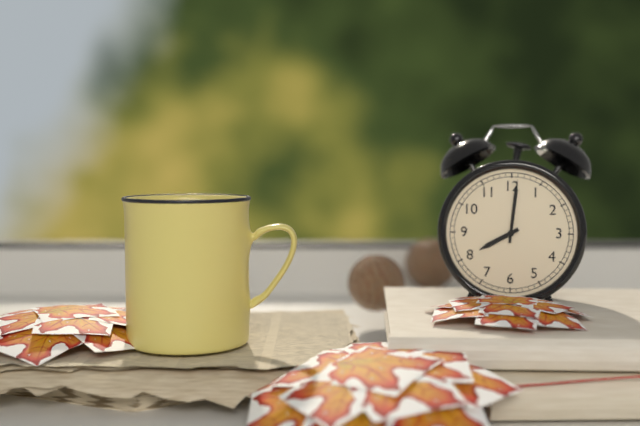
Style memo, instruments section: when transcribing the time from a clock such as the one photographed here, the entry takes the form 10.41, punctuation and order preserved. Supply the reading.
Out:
8.01
